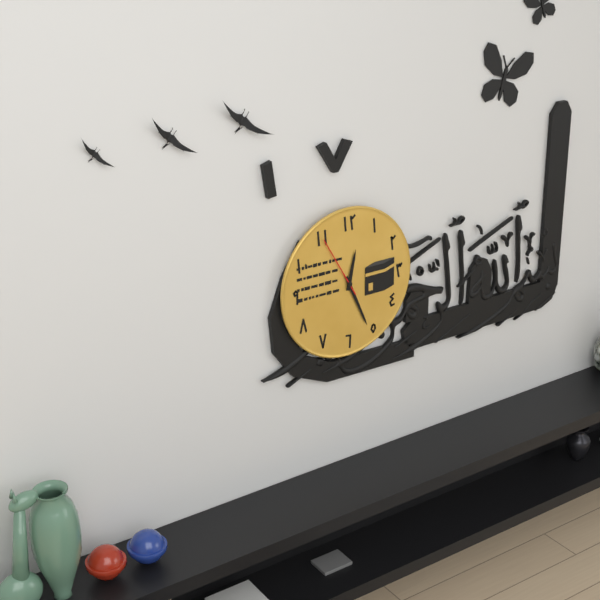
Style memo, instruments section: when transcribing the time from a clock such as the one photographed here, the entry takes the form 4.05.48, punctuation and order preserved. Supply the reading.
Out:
12.26.55
